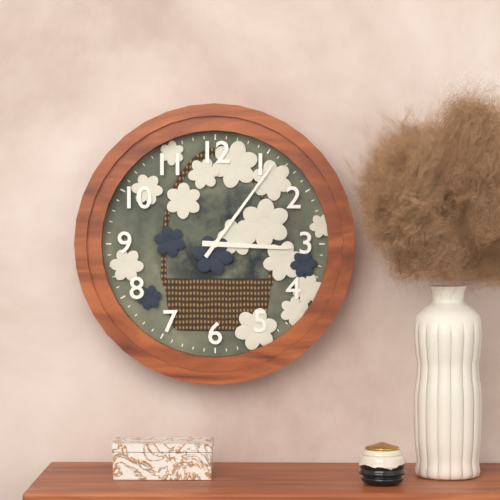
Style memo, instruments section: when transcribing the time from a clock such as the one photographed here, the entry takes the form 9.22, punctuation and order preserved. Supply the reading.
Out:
3.06
